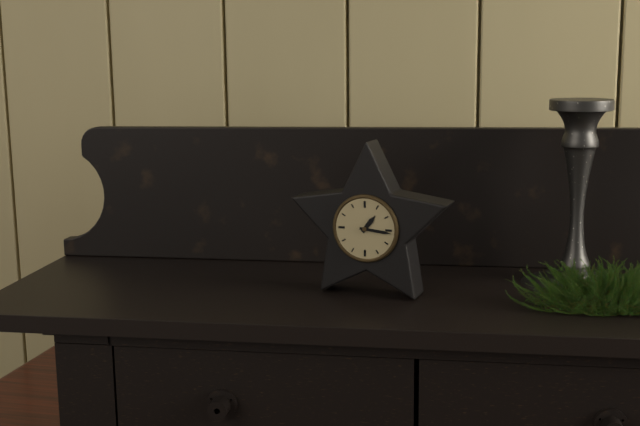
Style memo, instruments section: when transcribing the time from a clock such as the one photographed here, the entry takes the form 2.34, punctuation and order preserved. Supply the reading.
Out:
1.16
